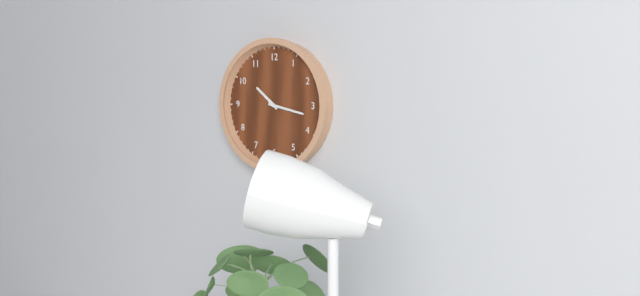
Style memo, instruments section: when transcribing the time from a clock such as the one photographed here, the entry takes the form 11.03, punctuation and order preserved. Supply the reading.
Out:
10.17
